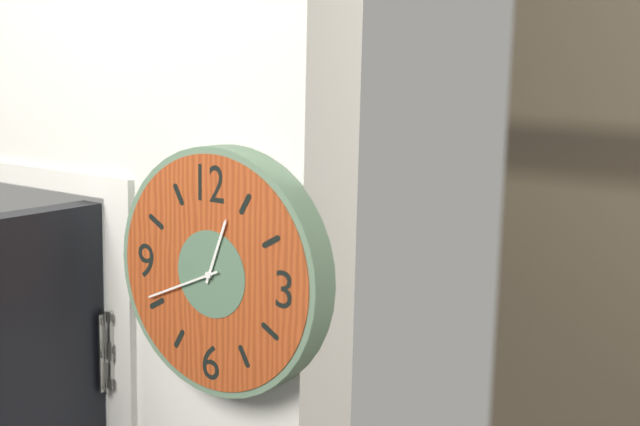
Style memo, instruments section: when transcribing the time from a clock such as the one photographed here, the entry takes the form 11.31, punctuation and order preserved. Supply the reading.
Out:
12.41
